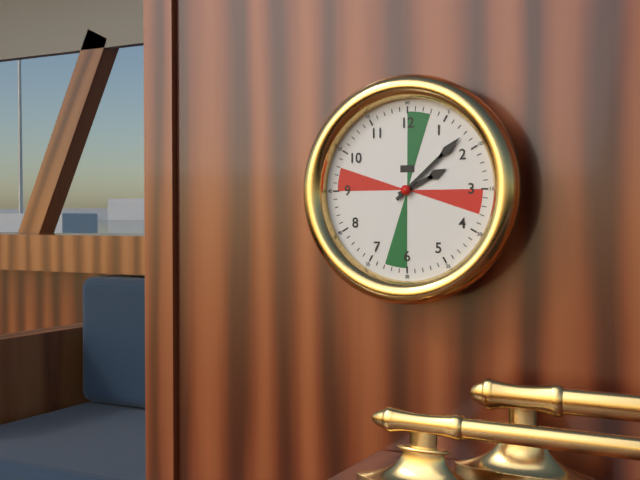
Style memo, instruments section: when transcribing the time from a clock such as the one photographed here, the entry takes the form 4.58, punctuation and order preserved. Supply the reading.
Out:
2.08
